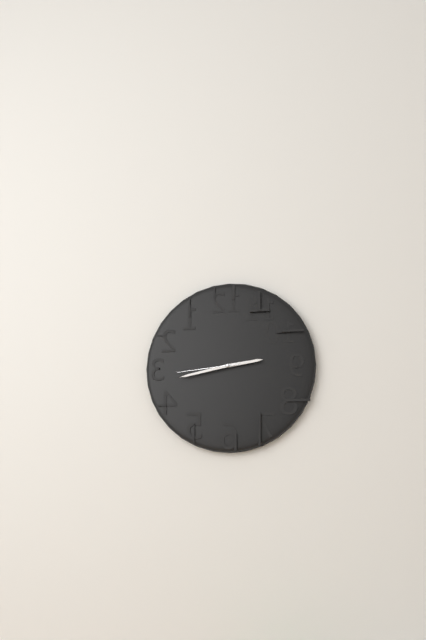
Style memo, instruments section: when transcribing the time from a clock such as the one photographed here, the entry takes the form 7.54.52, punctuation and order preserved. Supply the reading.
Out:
2.43.44
